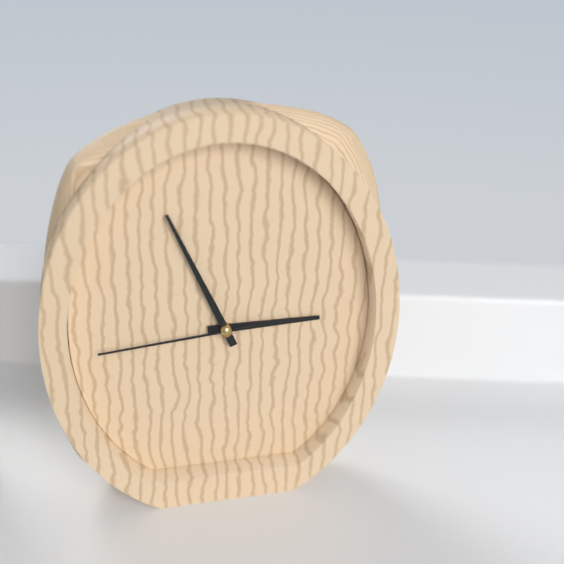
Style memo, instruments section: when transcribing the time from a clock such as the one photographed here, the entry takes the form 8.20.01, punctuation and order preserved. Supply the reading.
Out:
2.56.44
